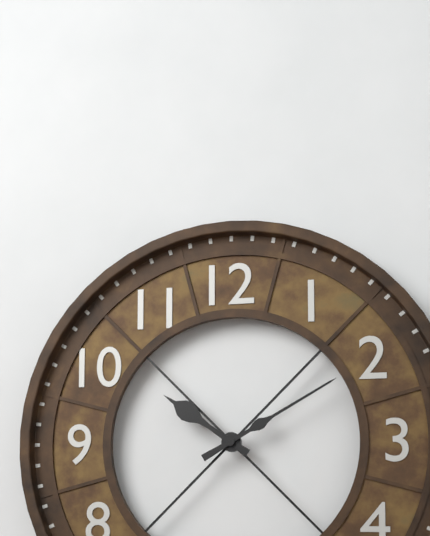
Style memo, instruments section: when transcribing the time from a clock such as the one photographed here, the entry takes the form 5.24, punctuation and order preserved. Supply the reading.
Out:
10.10
